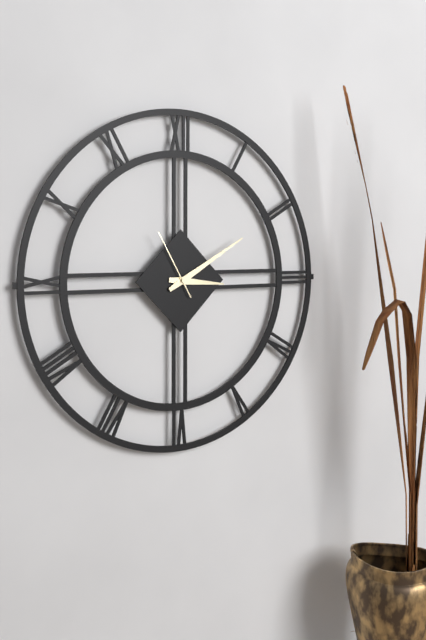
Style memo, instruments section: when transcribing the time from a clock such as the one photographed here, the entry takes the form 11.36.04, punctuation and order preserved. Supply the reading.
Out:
3.10.55
